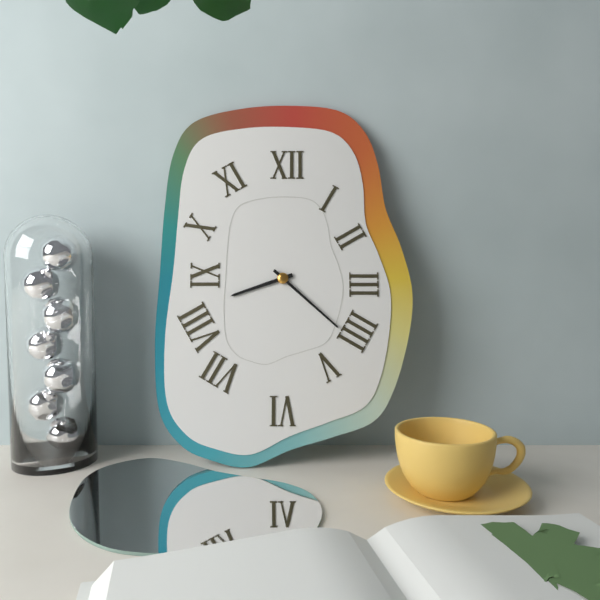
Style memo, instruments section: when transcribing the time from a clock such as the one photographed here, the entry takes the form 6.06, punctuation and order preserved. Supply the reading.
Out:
8.22
